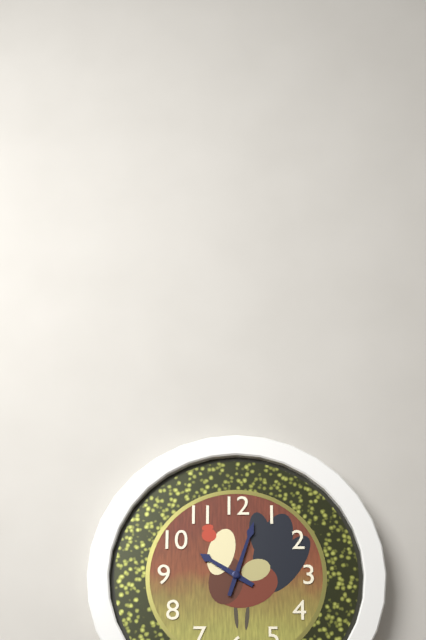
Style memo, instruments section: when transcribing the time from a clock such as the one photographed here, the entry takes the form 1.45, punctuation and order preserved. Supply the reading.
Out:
10.03
